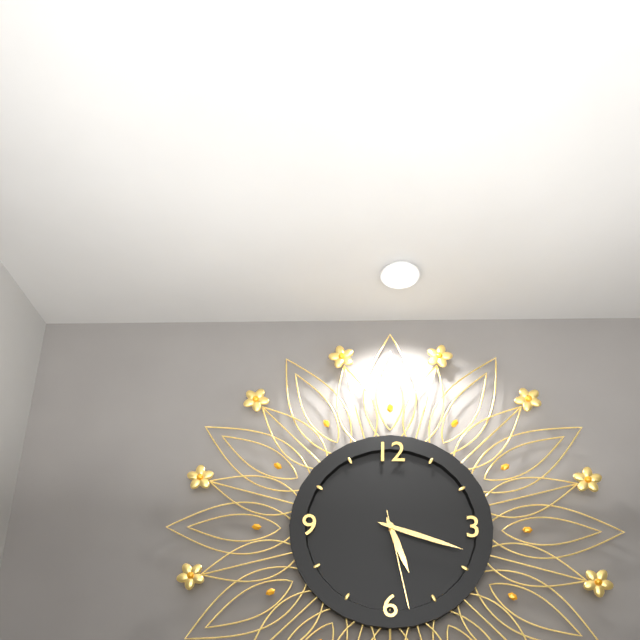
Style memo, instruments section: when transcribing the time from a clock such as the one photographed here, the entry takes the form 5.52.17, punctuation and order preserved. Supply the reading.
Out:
5.18.28
